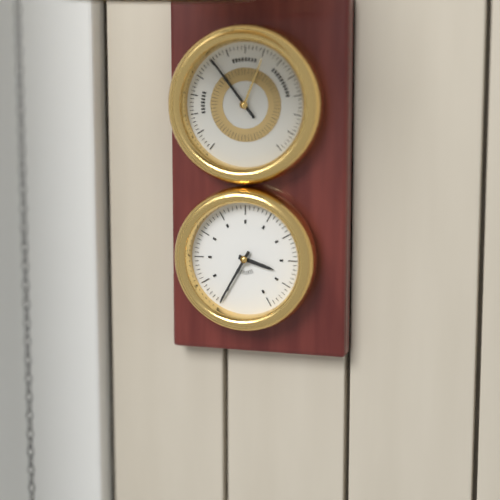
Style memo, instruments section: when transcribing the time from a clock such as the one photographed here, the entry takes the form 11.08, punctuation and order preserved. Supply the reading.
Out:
3.35
